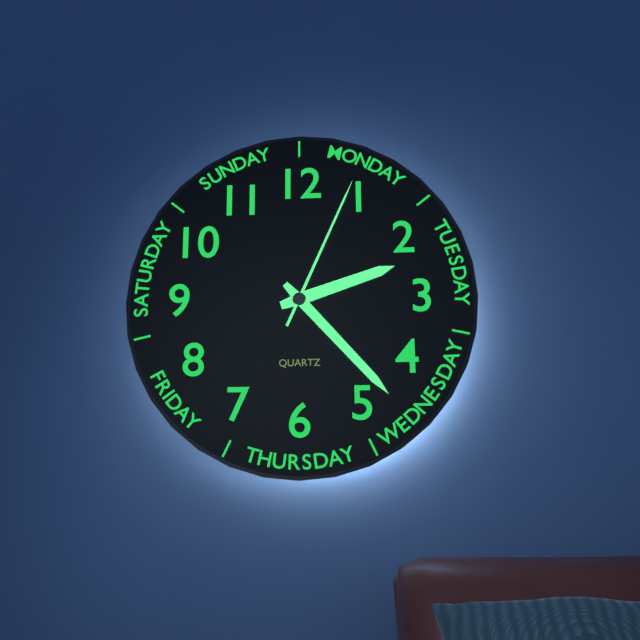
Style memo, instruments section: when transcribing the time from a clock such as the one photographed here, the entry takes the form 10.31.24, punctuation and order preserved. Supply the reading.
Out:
2.23.04
